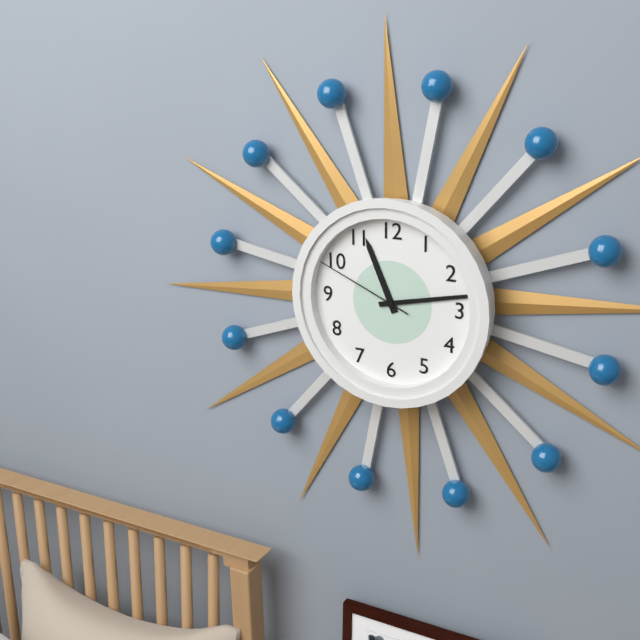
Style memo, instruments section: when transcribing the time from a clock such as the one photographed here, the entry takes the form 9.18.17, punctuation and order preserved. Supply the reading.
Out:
11.13.49
